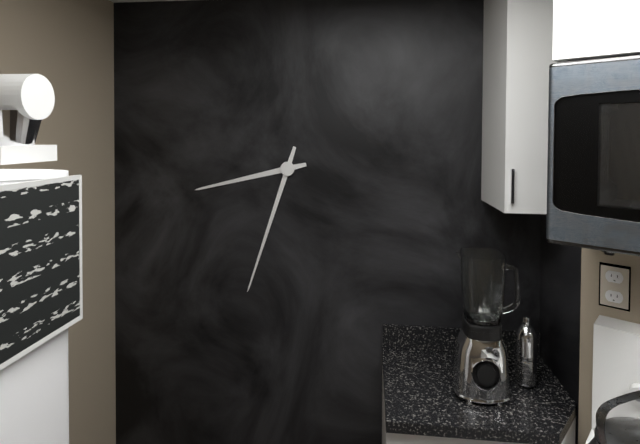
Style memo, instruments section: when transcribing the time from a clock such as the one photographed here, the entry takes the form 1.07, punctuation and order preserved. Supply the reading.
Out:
8.33
